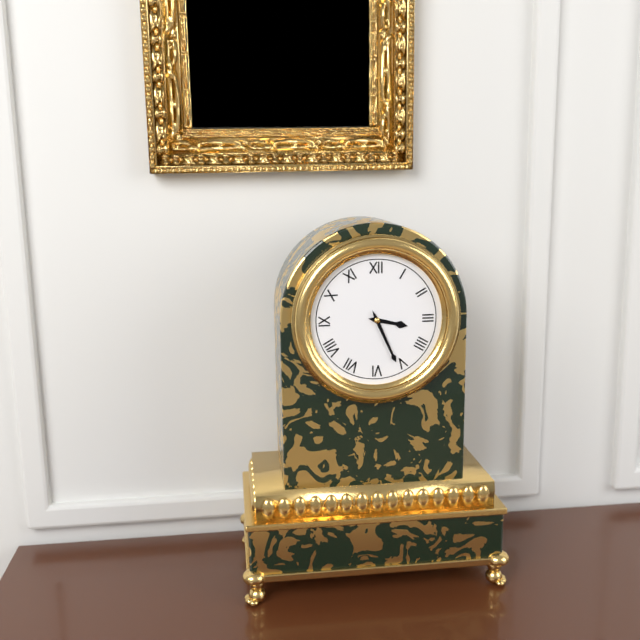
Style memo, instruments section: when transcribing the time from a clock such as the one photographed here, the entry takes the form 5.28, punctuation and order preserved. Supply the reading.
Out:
3.26
